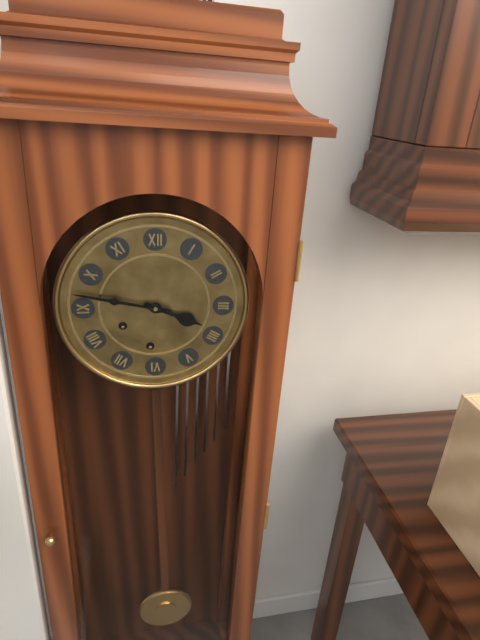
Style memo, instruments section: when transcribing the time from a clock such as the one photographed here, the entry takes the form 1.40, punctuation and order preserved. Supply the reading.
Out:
3.47
